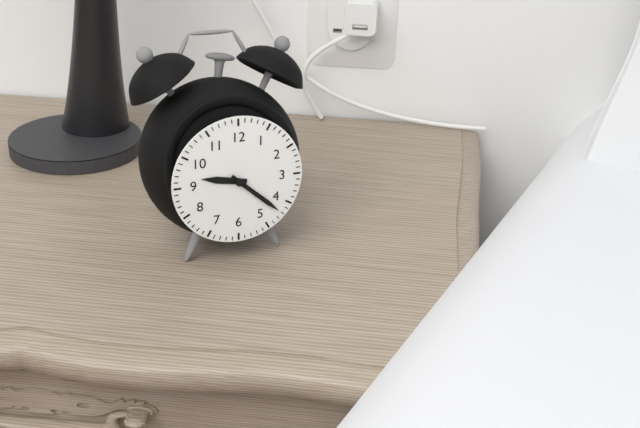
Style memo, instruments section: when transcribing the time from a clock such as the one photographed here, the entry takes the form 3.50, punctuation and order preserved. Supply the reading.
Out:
9.22
